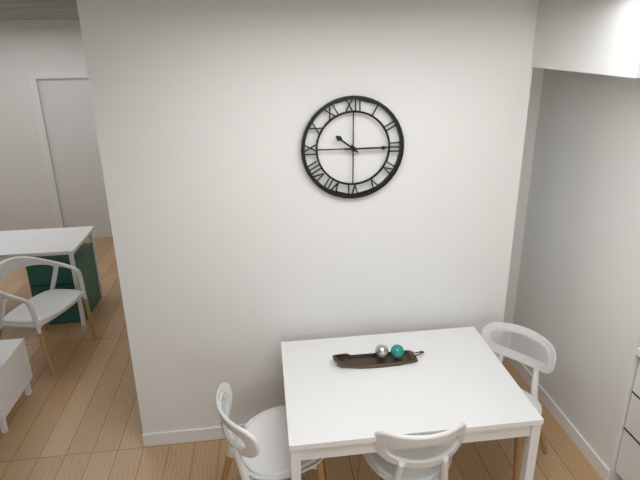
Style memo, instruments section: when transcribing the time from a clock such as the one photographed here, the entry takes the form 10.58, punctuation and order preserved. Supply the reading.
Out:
10.15
